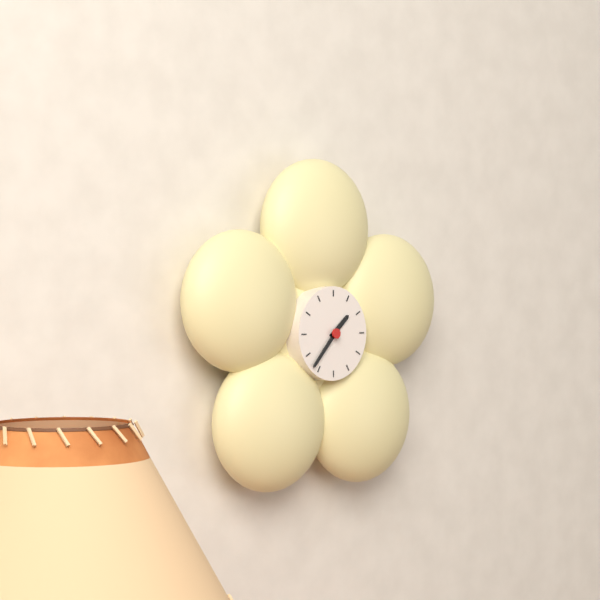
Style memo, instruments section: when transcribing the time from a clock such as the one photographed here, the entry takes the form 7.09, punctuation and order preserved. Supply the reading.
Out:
1.37
